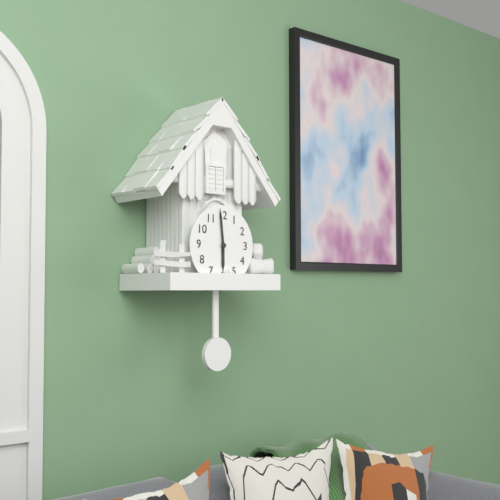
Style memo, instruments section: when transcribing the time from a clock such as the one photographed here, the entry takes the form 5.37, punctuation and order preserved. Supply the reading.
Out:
5.59
